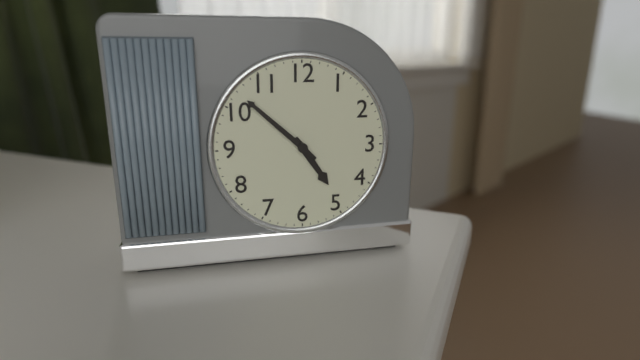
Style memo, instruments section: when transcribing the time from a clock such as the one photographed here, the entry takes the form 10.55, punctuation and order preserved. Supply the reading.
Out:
4.52
